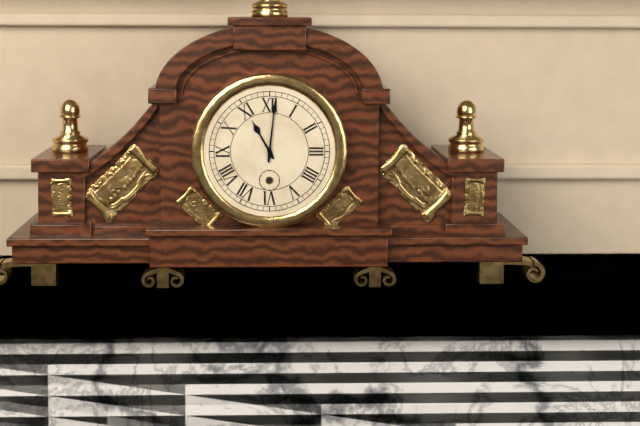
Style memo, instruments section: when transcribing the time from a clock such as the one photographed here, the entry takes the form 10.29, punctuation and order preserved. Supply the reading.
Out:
11.01
